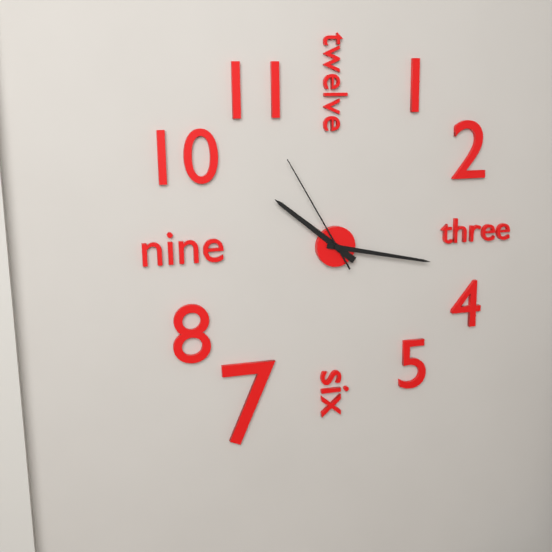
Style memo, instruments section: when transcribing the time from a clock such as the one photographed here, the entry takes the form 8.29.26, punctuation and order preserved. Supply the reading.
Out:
10.17.55
